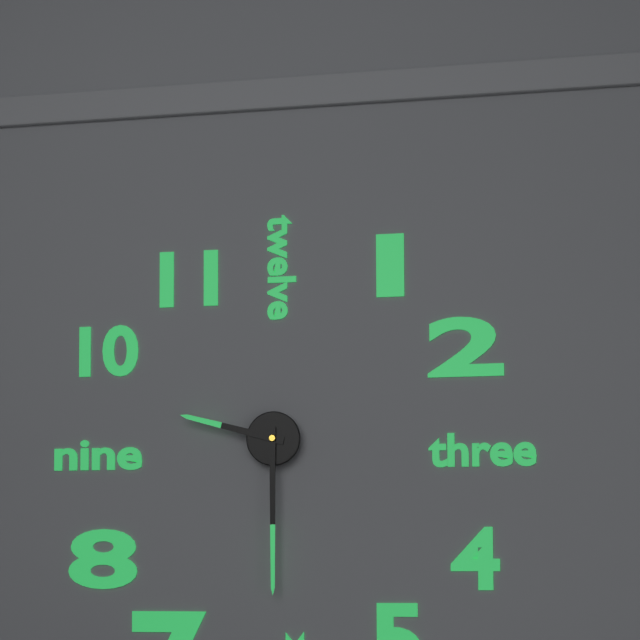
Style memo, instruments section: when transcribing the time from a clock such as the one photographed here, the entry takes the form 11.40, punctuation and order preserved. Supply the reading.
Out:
9.30
